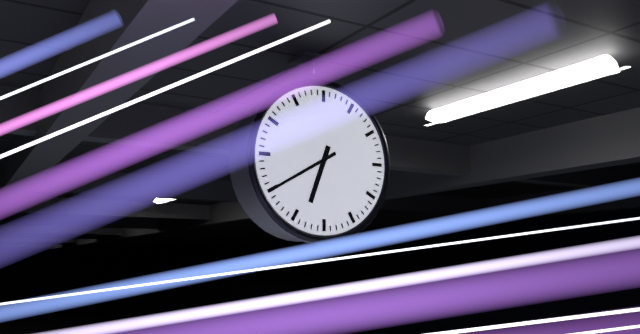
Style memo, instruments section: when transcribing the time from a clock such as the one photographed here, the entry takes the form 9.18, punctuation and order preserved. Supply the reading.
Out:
6.40
